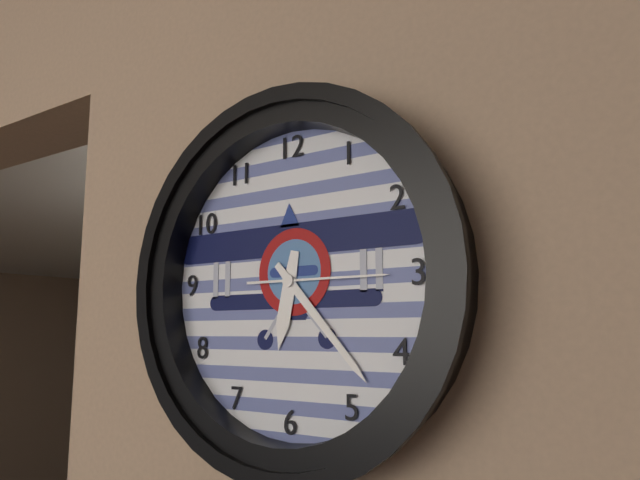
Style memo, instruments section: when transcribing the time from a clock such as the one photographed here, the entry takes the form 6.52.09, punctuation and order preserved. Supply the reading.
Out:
6.23.15
